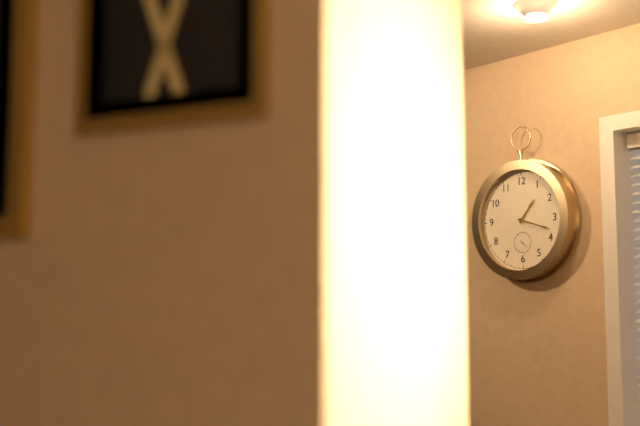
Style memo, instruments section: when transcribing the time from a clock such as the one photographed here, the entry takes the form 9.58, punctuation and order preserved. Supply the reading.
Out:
1.18
